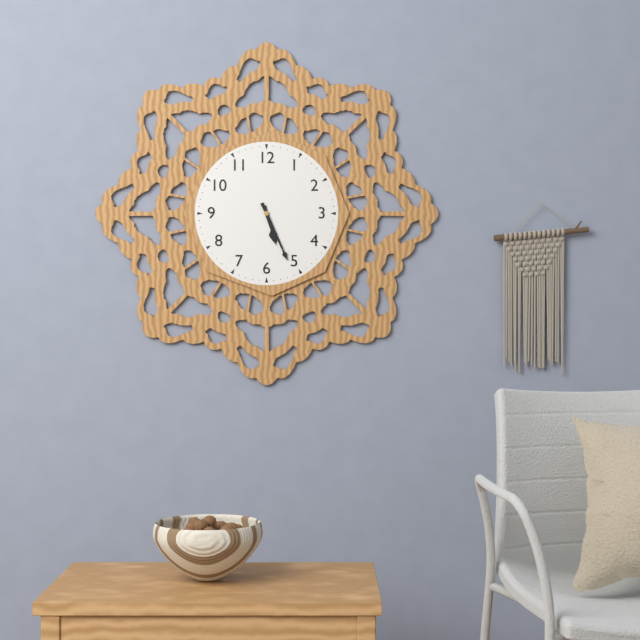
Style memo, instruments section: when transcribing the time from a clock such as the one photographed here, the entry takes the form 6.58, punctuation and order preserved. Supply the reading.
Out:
5.26
